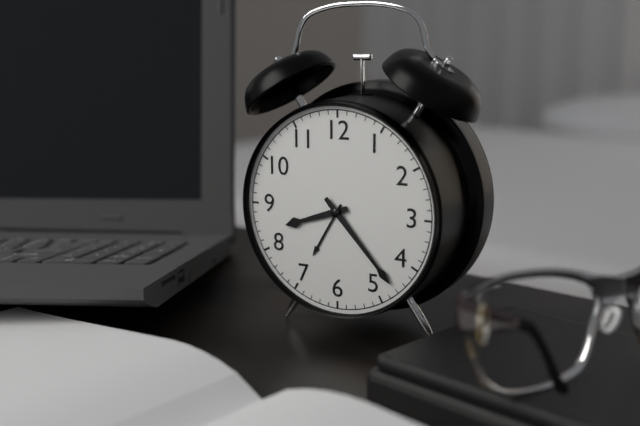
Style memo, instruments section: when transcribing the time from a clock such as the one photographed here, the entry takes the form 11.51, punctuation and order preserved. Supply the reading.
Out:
8.23
